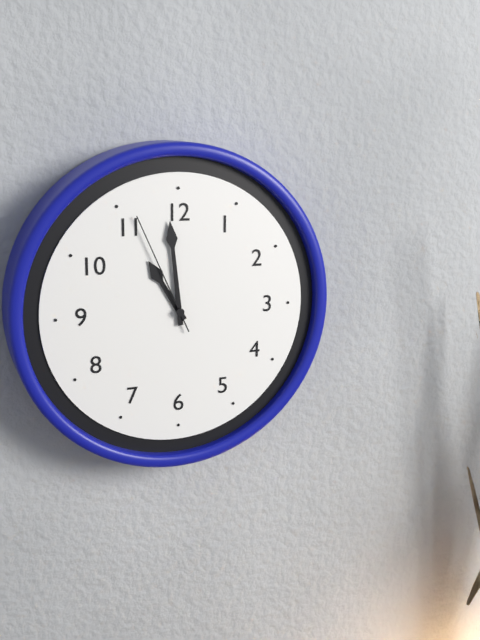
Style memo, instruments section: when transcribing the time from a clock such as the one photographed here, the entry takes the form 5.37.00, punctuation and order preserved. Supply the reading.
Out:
10.59.56
